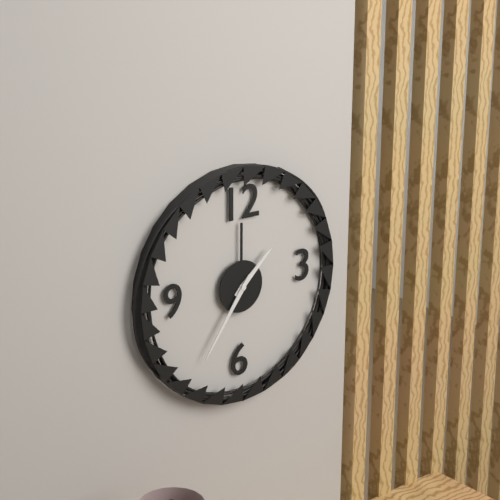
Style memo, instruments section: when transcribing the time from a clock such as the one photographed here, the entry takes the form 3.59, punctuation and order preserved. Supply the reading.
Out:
1.36
